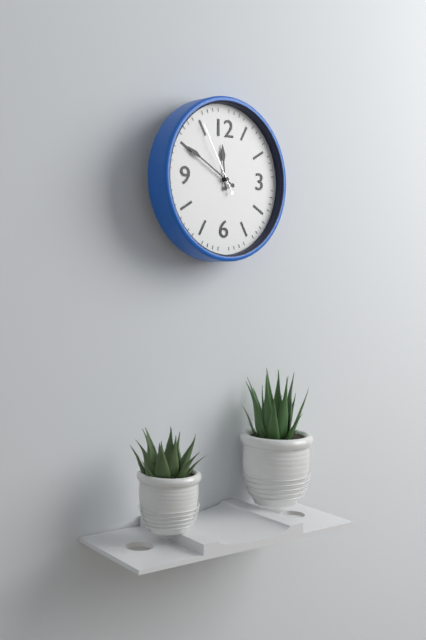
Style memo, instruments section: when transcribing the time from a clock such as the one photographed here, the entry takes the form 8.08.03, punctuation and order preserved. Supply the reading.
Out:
11.50.55
